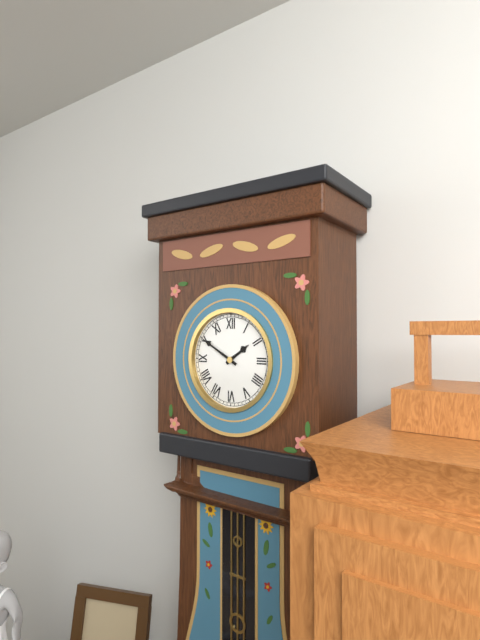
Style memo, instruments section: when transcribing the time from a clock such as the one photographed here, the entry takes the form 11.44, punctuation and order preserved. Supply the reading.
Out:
1.50
